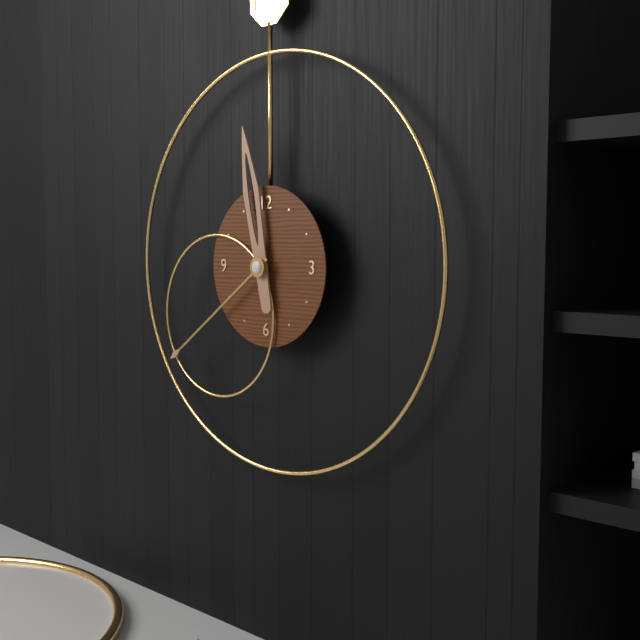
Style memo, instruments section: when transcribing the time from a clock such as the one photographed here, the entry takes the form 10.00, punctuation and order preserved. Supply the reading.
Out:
11.39
